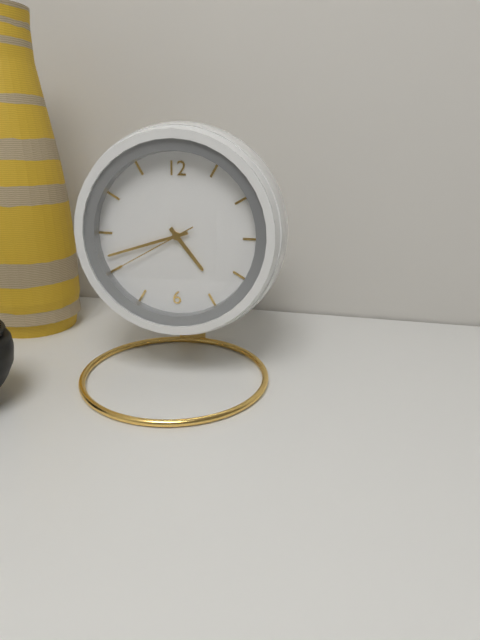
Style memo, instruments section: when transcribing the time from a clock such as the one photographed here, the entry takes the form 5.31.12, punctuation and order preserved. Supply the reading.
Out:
4.42.40
